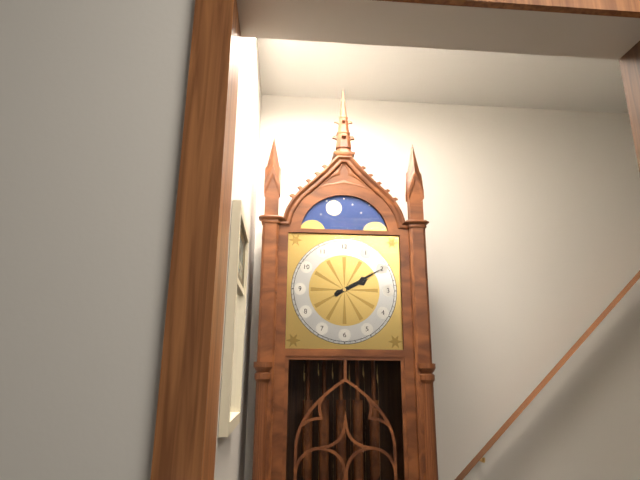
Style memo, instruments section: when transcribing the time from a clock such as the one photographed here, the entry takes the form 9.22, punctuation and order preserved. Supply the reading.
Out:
2.10
